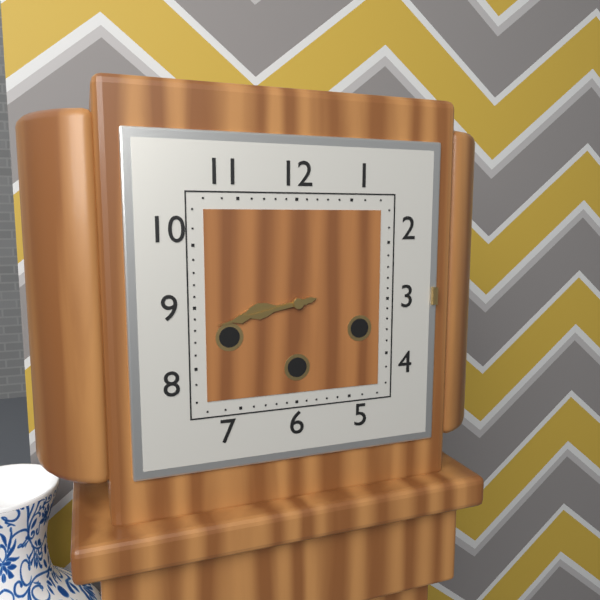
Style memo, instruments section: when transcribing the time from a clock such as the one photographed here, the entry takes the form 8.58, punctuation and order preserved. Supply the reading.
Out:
8.43
